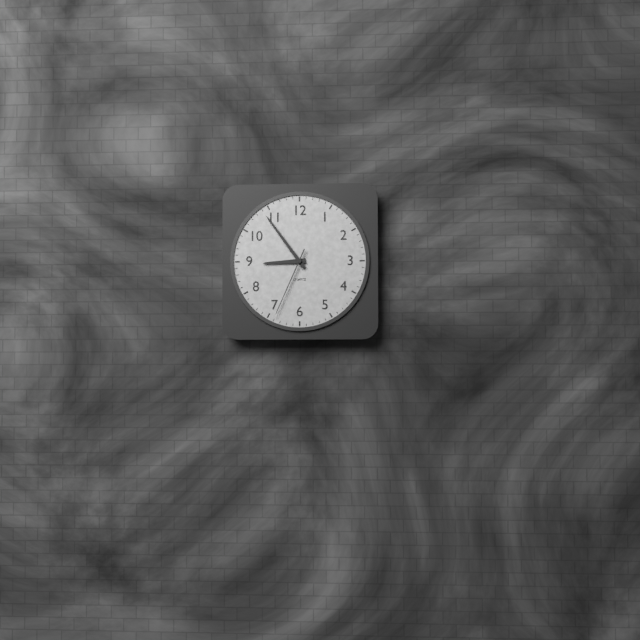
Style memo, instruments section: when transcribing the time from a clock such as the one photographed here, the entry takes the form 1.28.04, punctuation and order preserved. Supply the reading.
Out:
8.54.34
